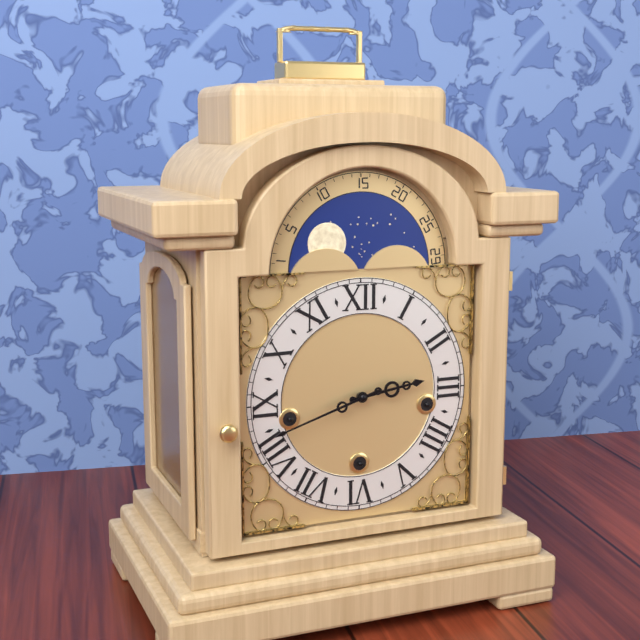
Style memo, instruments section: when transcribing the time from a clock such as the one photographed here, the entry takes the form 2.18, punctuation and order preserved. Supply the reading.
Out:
2.42
